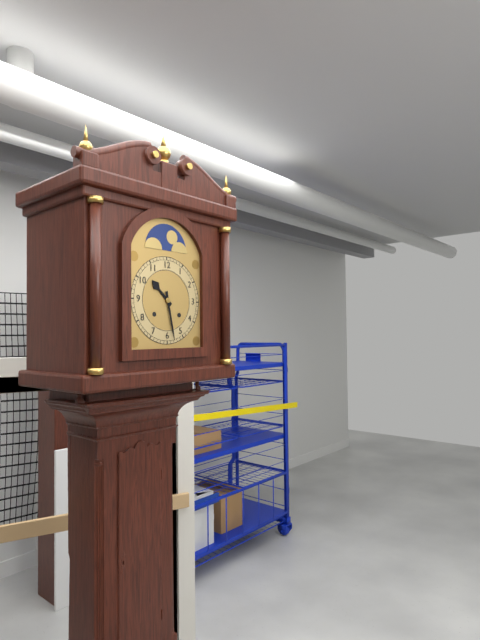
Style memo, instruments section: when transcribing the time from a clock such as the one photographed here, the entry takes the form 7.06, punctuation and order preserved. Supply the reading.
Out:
10.28
